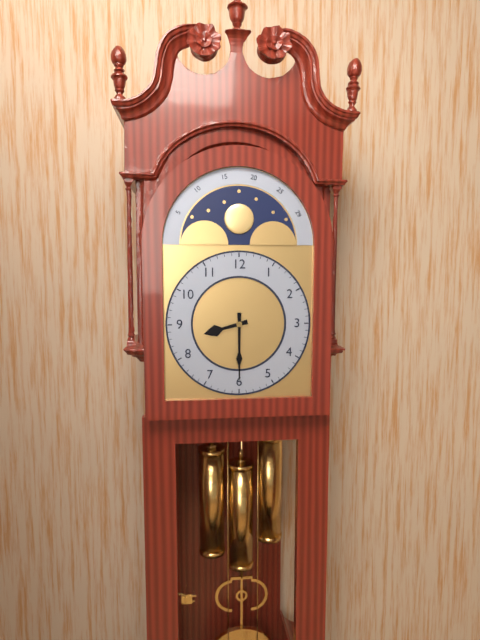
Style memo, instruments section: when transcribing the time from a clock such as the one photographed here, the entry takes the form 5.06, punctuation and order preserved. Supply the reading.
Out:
8.30
